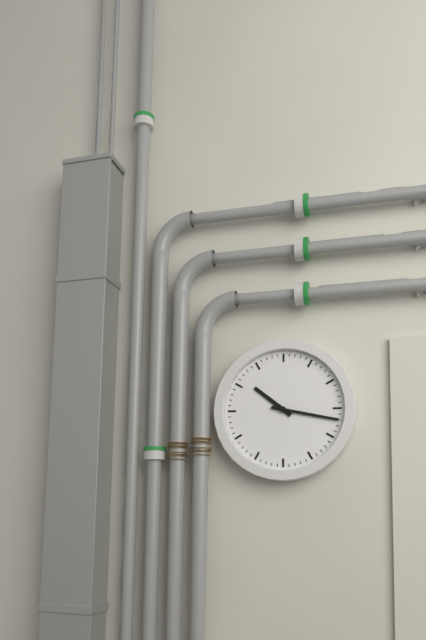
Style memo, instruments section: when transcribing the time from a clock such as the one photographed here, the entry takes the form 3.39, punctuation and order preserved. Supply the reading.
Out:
10.17
